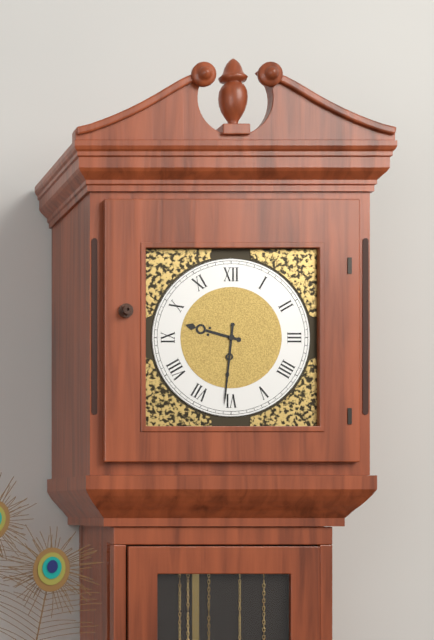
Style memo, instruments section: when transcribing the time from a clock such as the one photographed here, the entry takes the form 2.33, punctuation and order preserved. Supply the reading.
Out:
9.31
